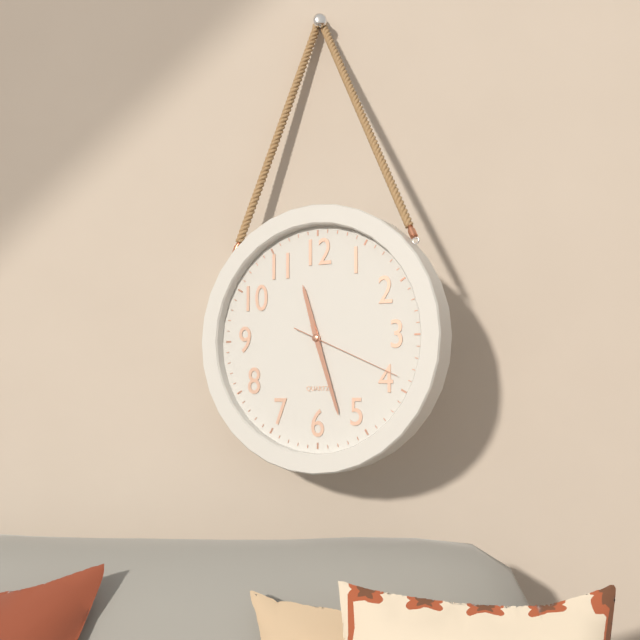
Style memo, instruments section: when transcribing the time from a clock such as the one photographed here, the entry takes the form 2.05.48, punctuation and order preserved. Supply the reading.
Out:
11.27.19
